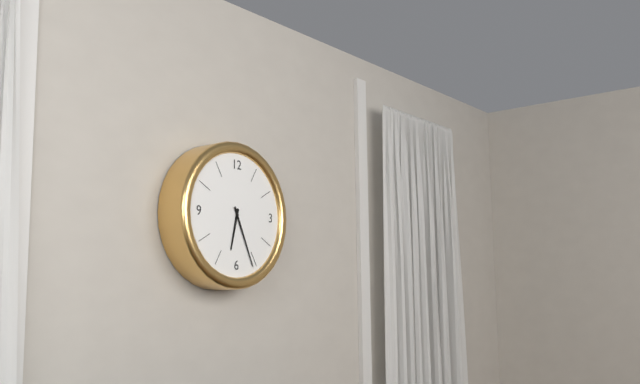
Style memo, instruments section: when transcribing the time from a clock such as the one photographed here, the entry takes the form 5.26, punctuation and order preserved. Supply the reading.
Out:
6.26
